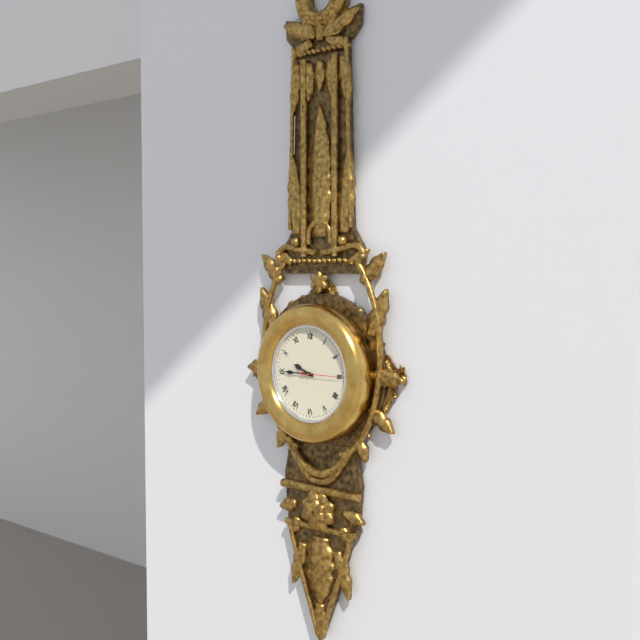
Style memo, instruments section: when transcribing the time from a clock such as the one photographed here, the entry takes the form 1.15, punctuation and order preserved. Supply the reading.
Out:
9.45
